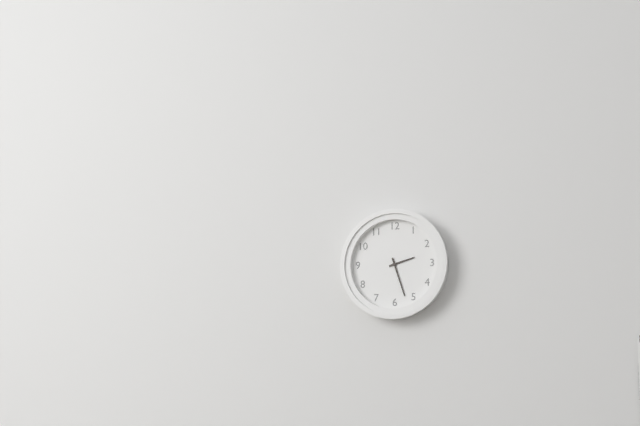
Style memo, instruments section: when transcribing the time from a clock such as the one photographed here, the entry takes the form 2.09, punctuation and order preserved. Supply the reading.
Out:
2.27
